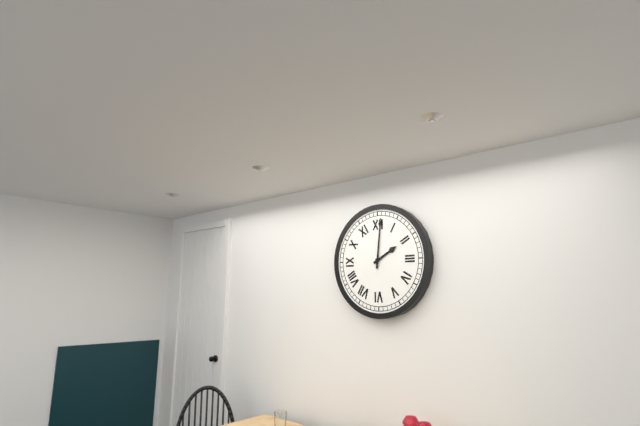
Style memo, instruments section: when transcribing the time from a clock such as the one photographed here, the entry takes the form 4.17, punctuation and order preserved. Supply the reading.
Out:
2.01
